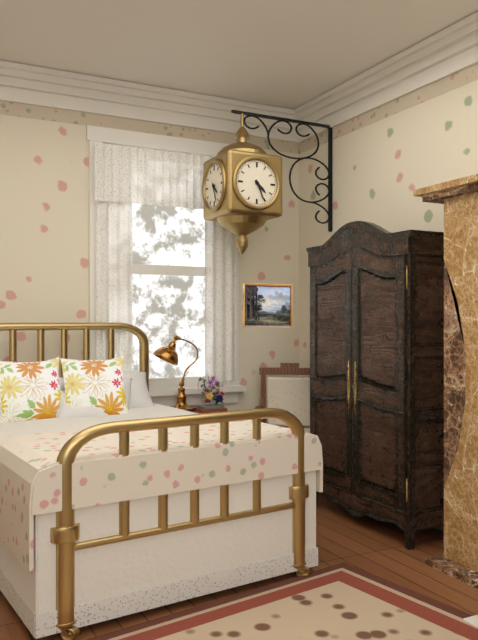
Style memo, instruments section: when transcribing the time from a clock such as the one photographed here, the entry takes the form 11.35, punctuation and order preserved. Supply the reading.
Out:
4.26
